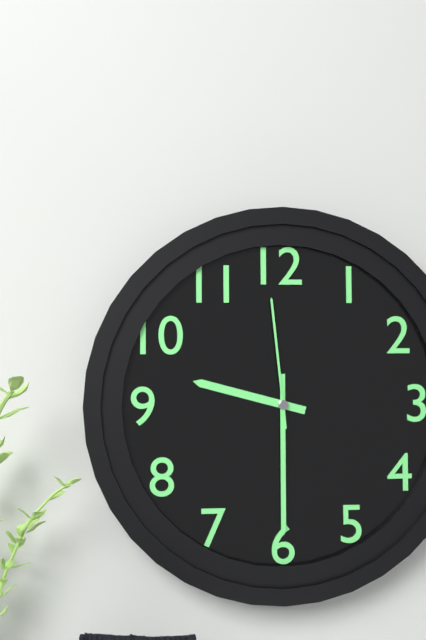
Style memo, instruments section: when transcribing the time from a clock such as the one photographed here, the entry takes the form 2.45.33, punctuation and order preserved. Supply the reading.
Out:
9.30.59
